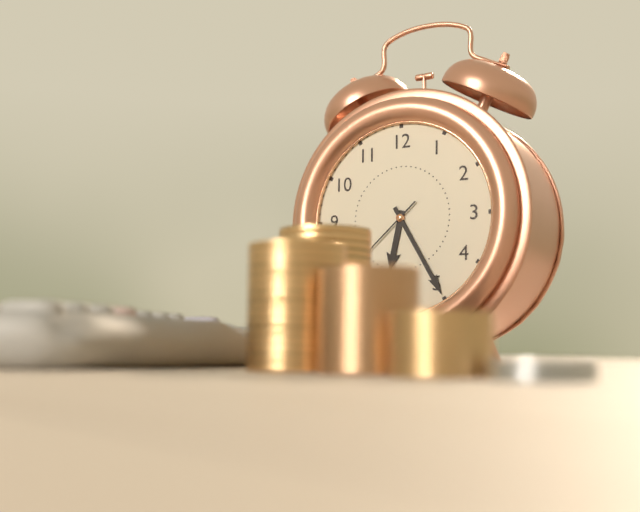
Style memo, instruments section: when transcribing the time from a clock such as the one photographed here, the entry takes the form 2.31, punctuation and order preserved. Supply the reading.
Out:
6.25
